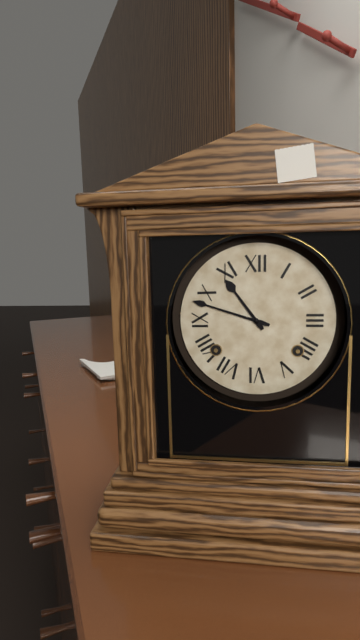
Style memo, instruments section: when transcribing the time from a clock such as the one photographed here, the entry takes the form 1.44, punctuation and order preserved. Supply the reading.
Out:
10.48
